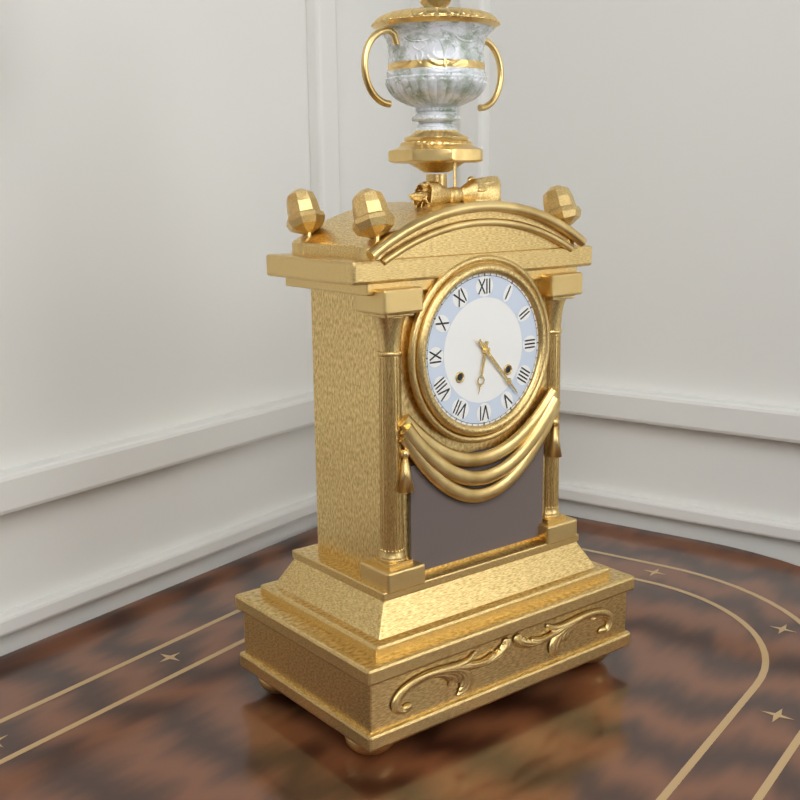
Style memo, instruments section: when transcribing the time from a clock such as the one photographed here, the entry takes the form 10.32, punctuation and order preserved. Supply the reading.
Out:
6.23
